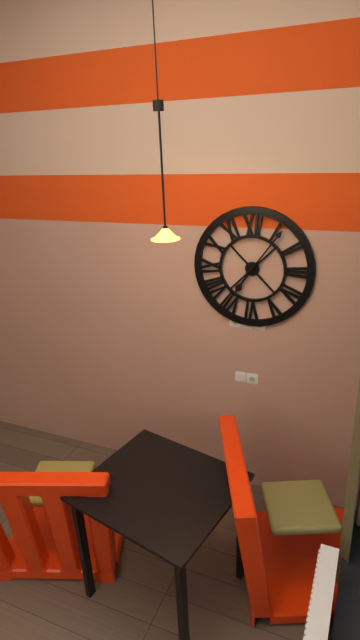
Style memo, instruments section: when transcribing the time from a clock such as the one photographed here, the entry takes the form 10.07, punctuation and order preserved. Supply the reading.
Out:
7.06
